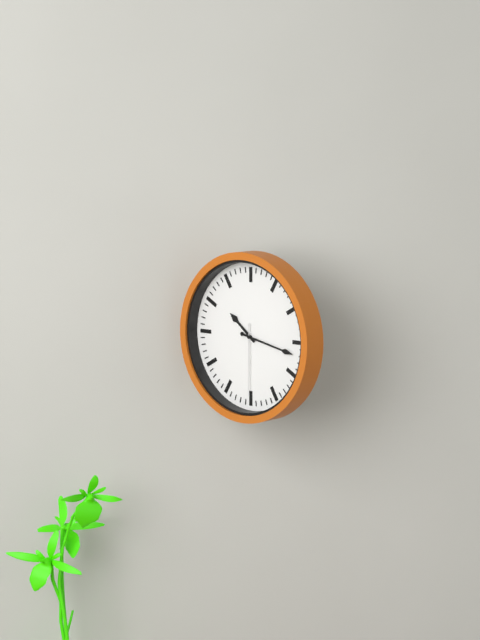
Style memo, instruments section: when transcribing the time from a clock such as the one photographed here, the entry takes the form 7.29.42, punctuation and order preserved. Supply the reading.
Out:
10.17.30
